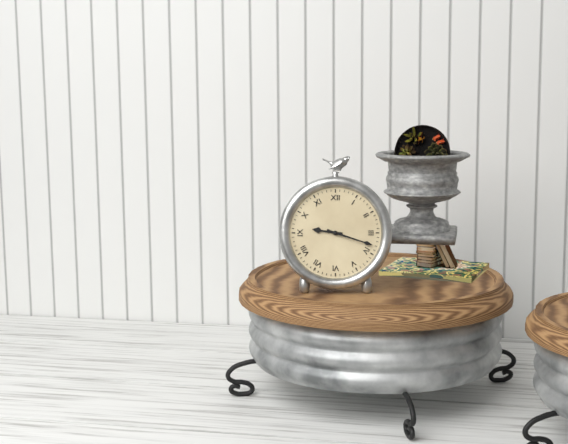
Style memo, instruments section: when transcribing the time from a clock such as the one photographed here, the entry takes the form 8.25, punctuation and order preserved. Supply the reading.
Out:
9.18
